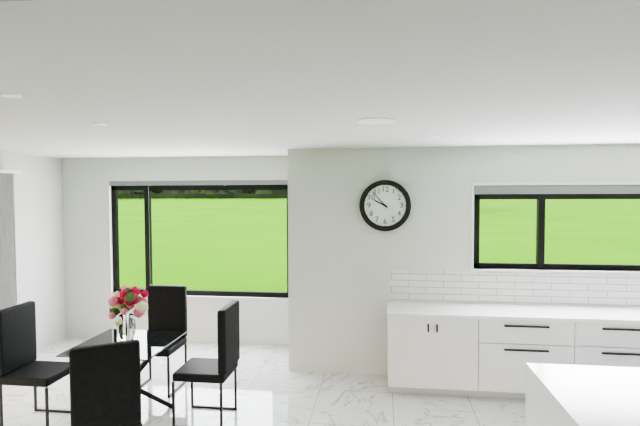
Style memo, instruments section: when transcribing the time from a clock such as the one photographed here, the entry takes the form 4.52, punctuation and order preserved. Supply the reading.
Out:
9.53
